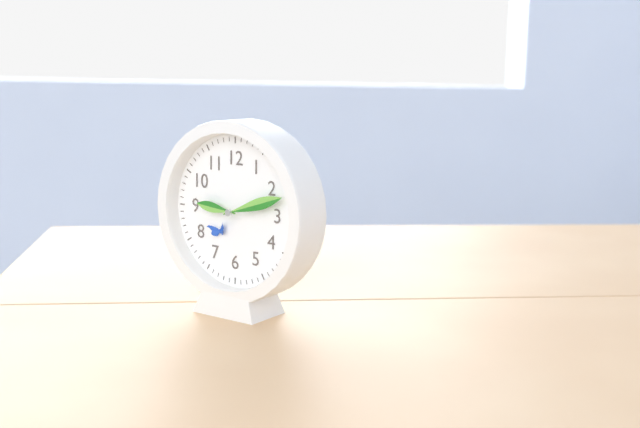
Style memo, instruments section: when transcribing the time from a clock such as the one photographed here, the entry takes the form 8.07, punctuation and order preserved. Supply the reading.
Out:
9.12
